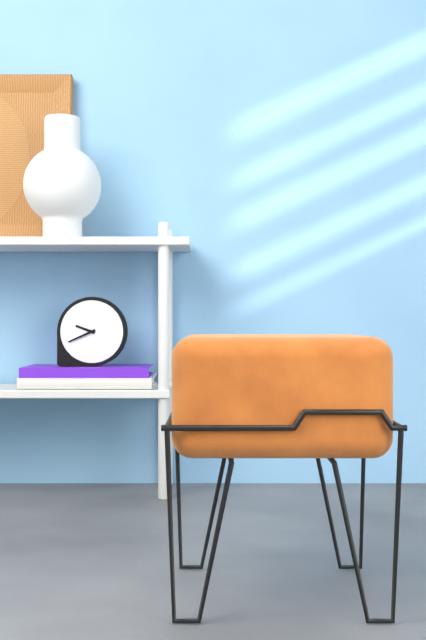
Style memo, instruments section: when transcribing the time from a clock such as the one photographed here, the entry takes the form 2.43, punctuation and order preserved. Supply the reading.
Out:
9.41
